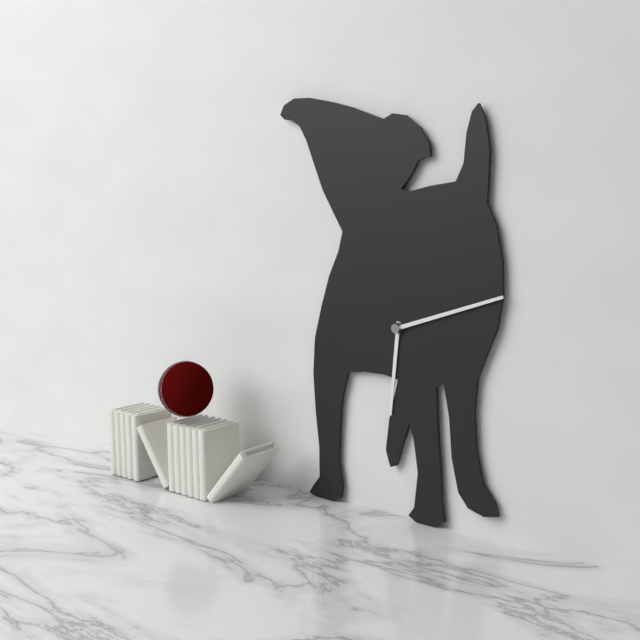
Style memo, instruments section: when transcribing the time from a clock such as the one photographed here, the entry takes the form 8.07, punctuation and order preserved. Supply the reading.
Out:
6.12
